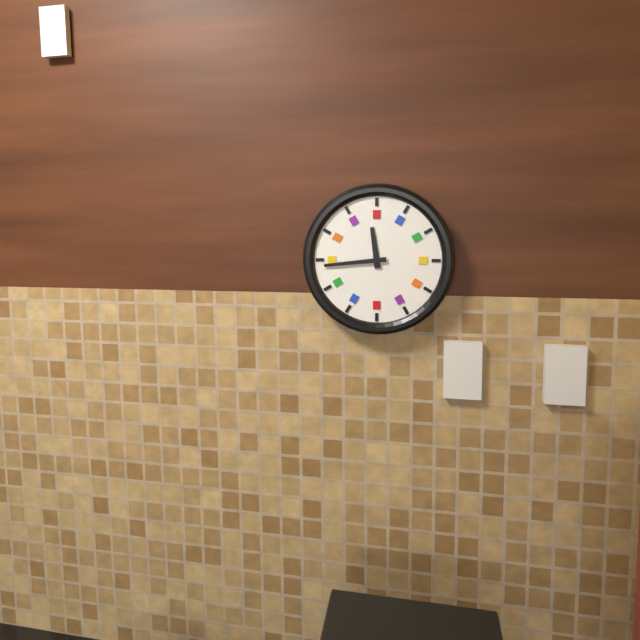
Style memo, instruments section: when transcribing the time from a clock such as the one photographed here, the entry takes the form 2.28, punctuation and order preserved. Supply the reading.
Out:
11.44
